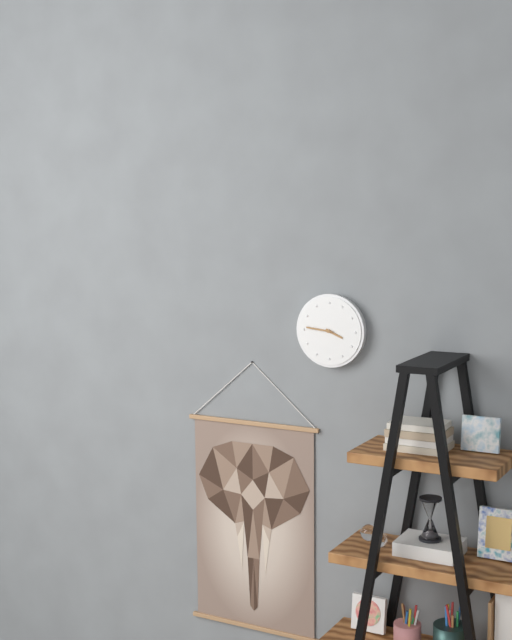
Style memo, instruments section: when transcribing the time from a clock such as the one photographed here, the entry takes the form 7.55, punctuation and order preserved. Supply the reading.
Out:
3.46
